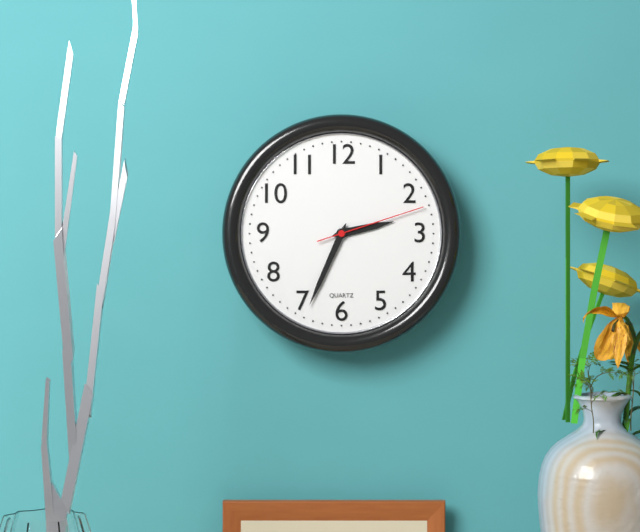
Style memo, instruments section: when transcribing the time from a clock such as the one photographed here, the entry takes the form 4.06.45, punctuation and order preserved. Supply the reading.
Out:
2.34.12
